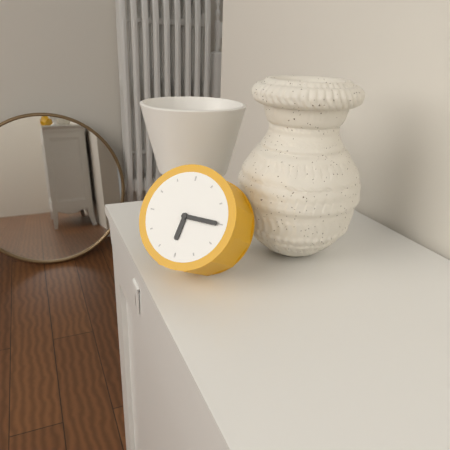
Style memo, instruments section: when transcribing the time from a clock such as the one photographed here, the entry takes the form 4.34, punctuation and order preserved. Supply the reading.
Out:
6.15
